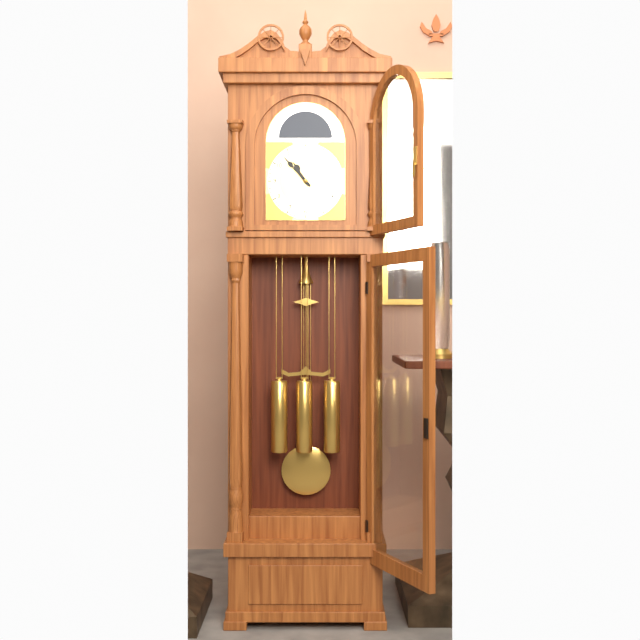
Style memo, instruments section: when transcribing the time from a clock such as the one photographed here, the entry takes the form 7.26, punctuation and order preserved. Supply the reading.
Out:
10.53
